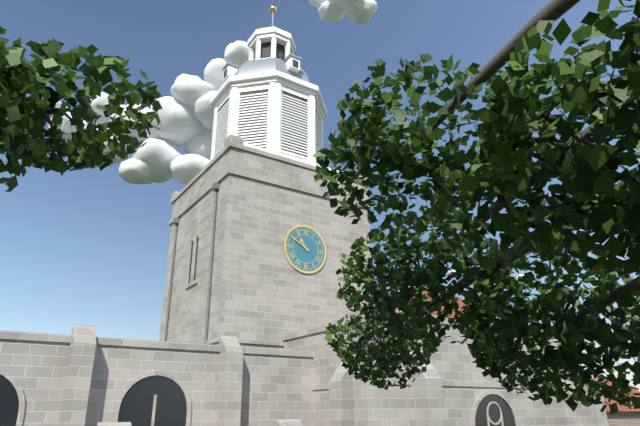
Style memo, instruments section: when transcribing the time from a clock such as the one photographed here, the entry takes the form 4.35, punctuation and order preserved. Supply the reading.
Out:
10.50
